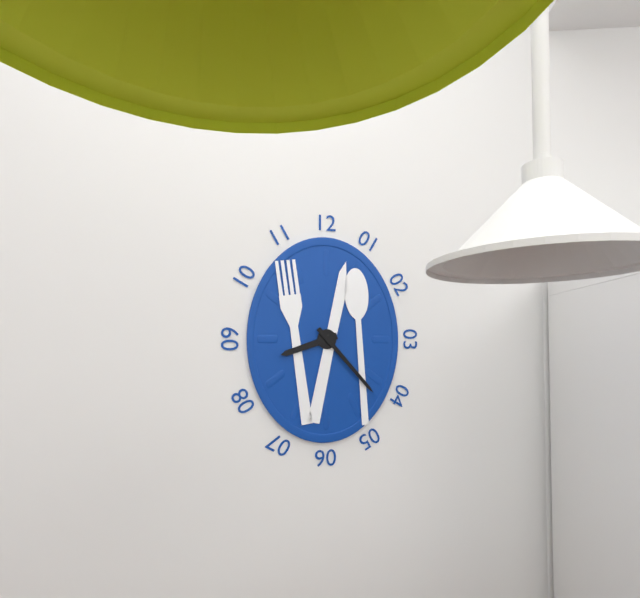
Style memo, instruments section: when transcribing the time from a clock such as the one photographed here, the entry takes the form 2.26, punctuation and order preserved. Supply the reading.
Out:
8.23
